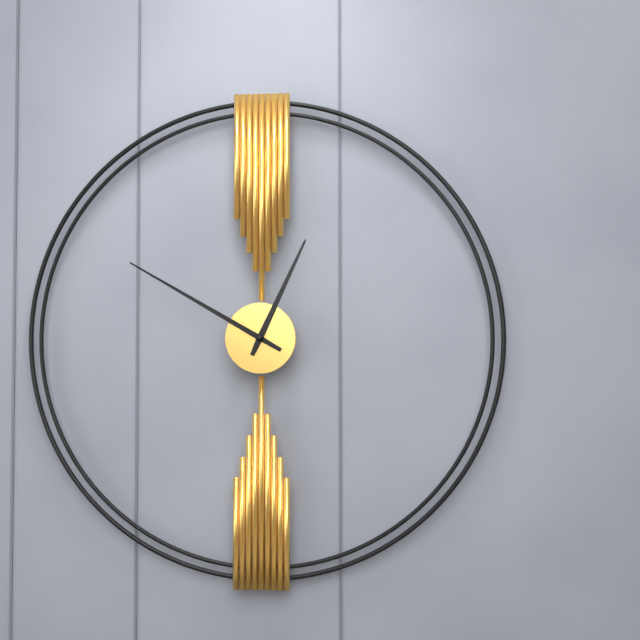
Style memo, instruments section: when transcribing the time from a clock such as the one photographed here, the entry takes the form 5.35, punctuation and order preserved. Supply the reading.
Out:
12.50
